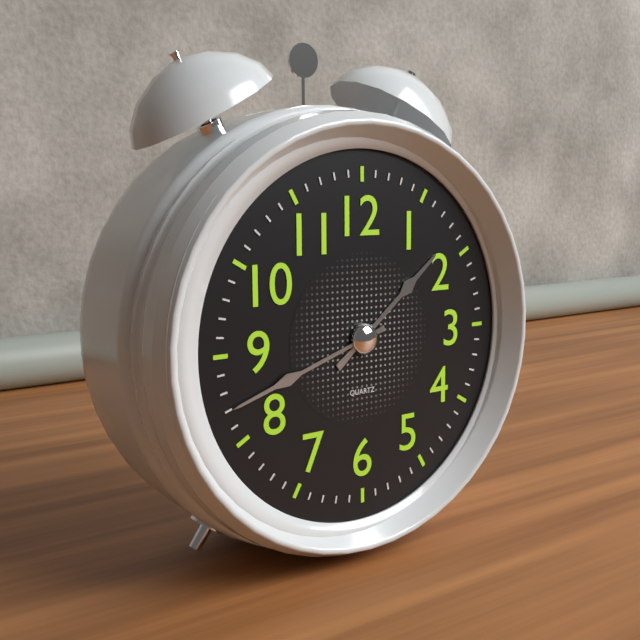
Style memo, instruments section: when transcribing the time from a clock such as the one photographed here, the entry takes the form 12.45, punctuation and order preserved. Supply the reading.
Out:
1.42
